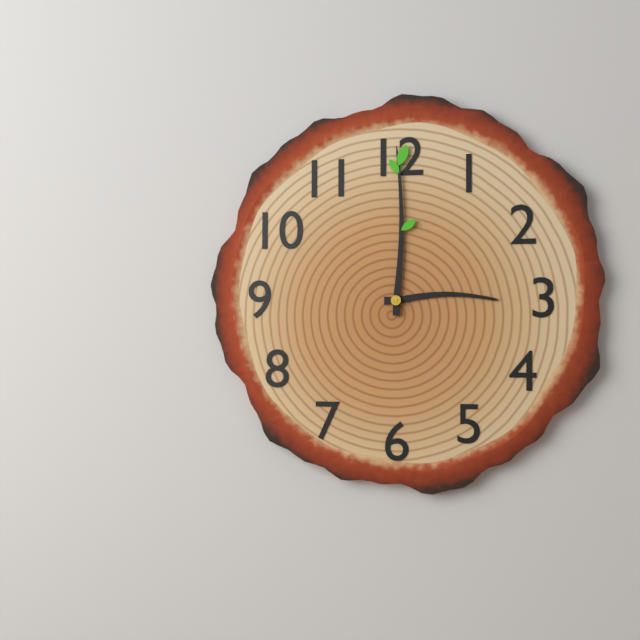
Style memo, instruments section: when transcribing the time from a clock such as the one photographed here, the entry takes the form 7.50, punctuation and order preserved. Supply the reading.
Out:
3.00
